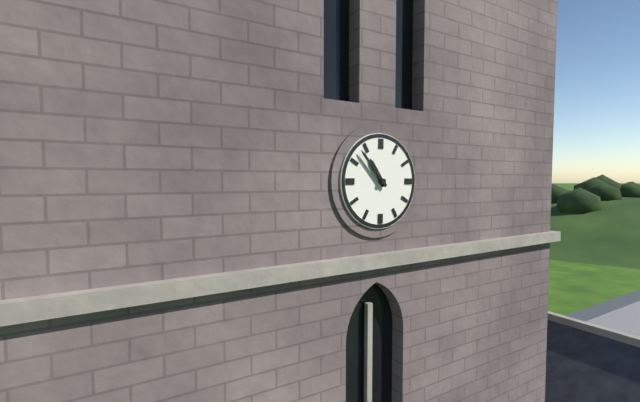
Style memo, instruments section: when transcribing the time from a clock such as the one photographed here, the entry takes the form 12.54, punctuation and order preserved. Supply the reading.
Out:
10.53
